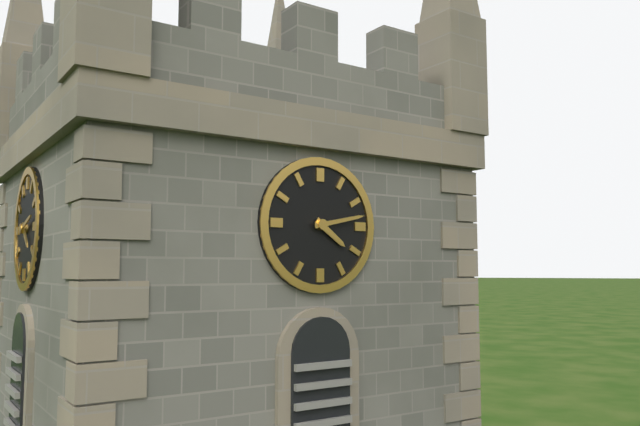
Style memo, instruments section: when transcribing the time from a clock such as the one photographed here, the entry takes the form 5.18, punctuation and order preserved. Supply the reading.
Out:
4.13
